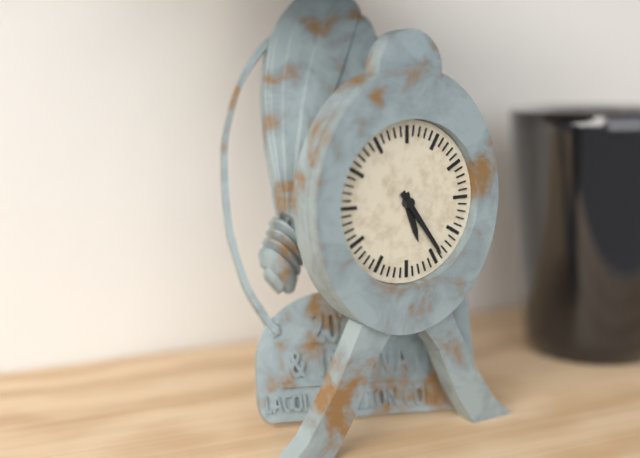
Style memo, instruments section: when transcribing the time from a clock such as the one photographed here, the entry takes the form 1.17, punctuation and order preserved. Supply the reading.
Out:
5.24
